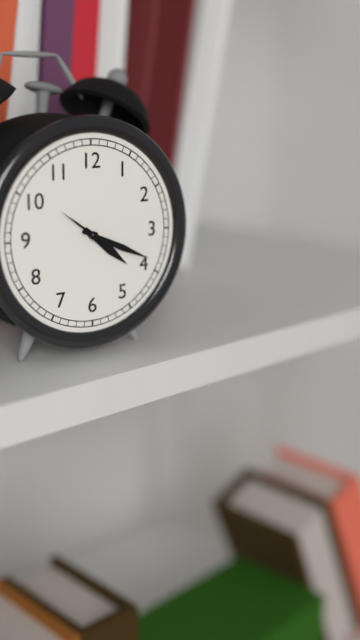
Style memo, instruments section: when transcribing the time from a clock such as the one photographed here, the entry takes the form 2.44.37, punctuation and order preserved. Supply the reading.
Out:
4.19.51
